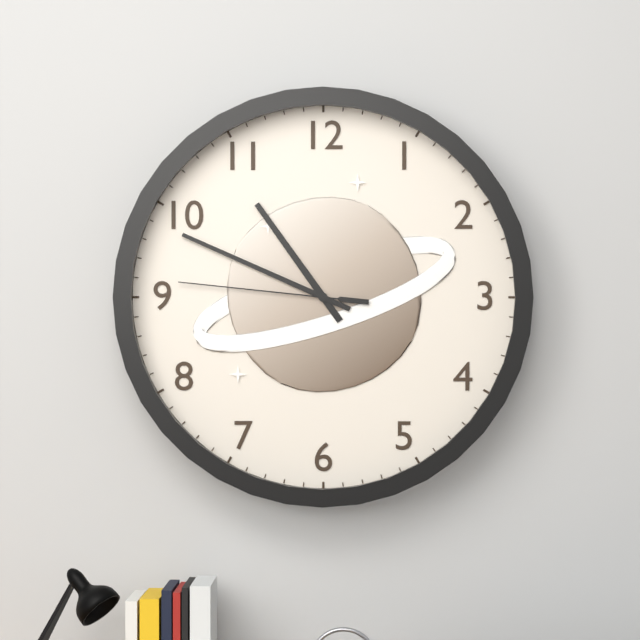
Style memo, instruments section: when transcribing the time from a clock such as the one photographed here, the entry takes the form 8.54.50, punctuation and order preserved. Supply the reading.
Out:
10.49.46
